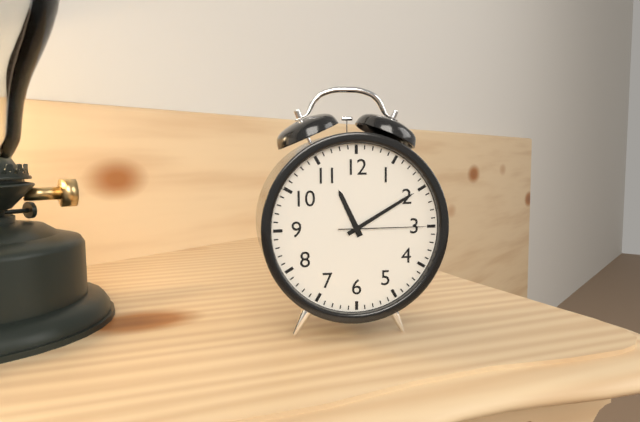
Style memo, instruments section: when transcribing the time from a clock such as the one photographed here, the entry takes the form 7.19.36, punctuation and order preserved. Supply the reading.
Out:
11.10.15
